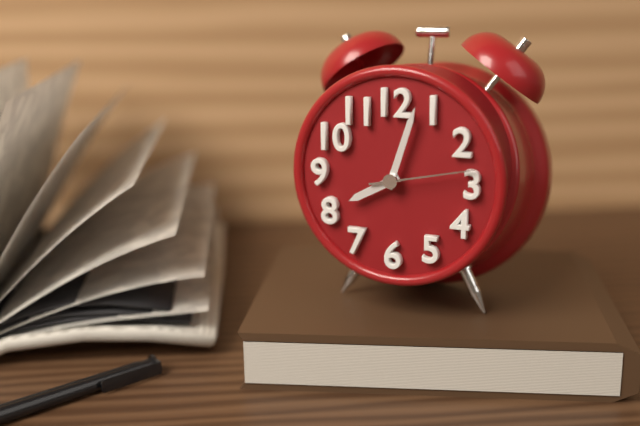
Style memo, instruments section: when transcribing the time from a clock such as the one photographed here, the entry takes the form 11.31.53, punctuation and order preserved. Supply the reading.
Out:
8.03.13
